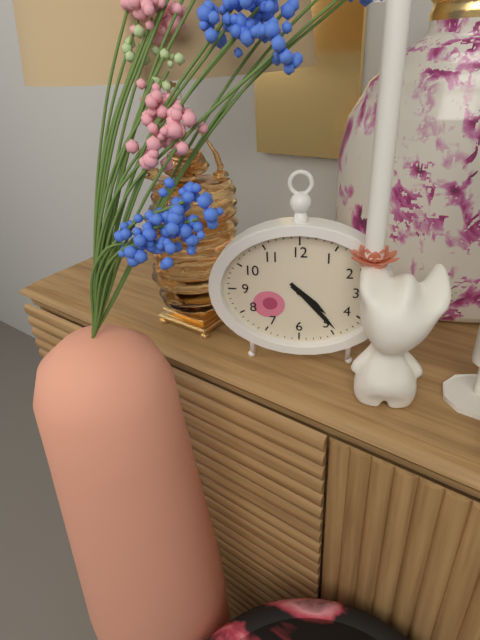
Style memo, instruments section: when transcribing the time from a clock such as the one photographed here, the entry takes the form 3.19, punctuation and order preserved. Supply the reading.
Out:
4.23
